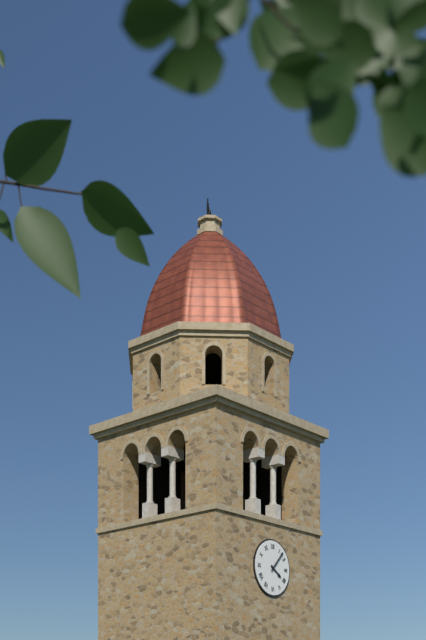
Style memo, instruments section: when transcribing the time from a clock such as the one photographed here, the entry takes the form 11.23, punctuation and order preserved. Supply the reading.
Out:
4.07
